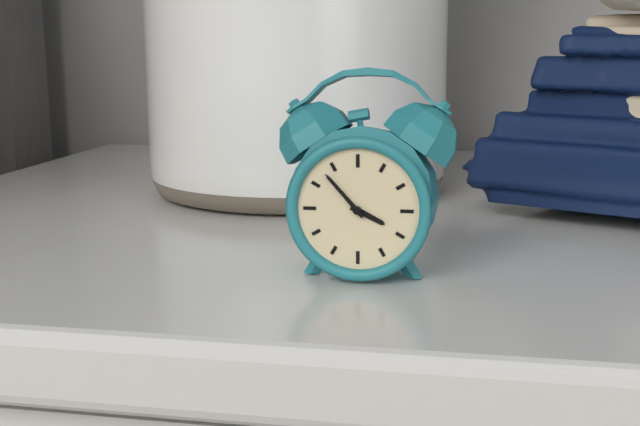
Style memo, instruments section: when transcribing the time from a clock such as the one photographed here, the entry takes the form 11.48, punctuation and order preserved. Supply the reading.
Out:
3.53
